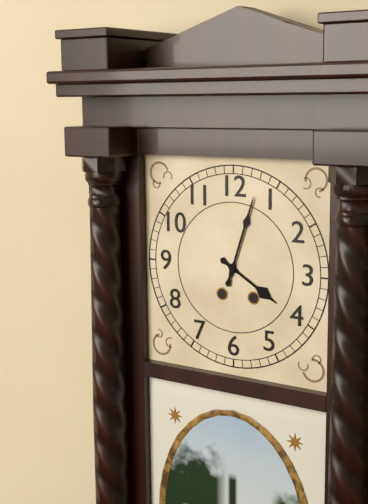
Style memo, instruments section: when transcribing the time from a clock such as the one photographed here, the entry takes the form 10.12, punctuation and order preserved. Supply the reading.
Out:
4.03
